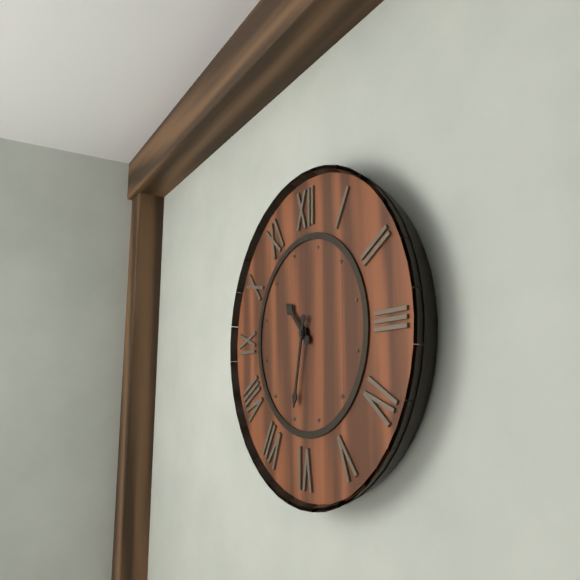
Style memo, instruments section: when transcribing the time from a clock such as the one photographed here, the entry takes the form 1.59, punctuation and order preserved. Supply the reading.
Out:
10.32
